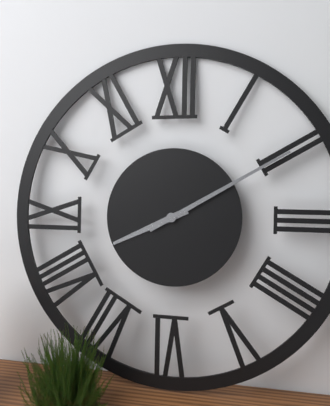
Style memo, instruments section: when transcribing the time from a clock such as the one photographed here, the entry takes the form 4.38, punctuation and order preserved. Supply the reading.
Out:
8.10
